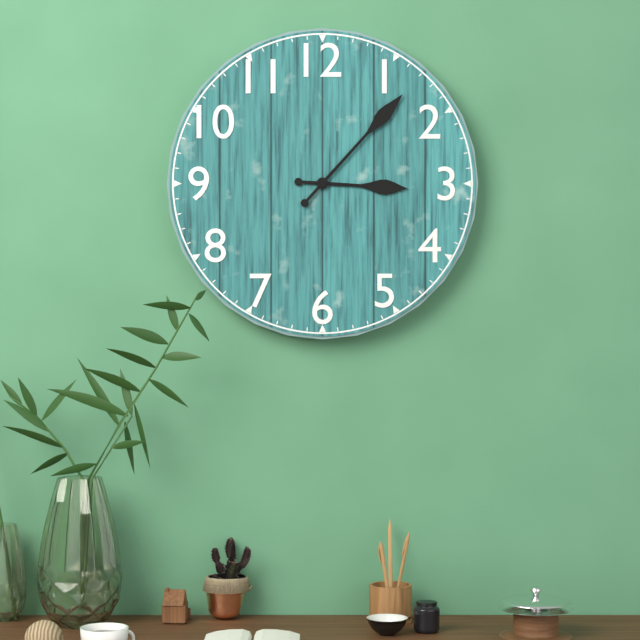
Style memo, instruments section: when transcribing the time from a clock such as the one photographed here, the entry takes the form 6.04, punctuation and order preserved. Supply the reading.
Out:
3.07
